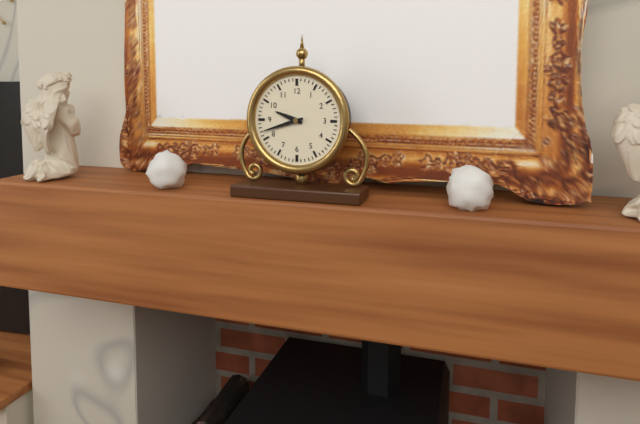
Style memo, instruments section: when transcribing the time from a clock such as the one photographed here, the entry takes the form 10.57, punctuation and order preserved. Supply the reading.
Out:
9.42
